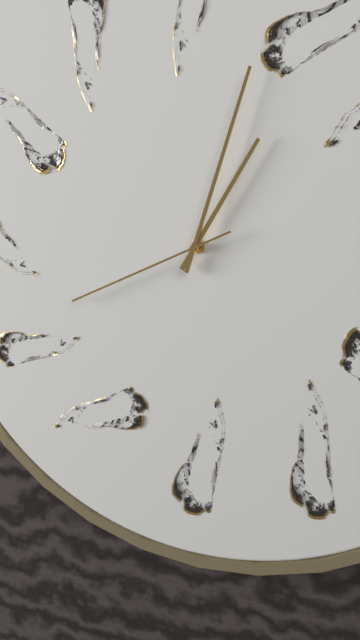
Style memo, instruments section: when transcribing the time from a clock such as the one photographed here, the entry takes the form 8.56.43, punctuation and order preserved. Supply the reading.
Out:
1.03.41
